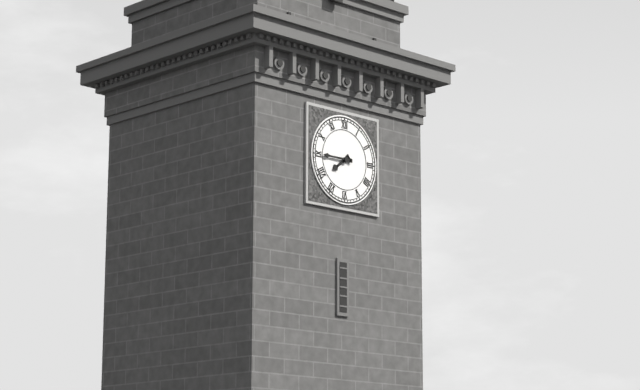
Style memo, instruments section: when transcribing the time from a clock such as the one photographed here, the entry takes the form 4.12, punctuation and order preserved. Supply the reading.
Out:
7.45
